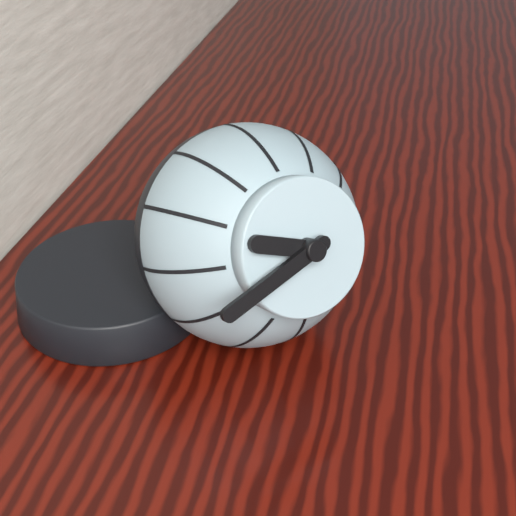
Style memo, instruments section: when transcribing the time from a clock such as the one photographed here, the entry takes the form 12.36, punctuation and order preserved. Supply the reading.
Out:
9.42
